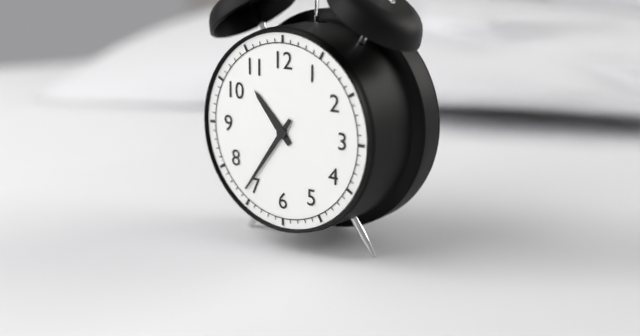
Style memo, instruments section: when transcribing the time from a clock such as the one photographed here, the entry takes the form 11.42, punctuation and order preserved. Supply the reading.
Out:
10.36
